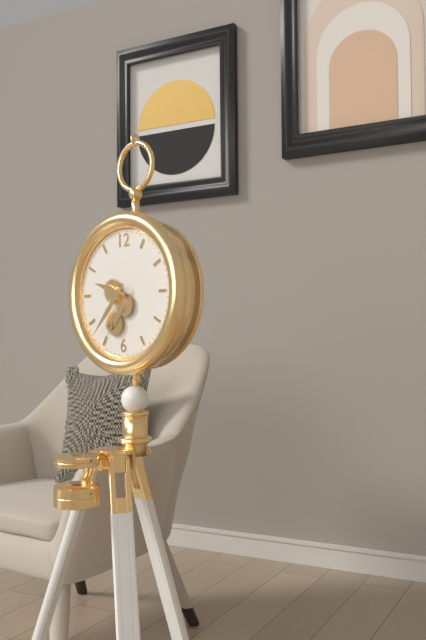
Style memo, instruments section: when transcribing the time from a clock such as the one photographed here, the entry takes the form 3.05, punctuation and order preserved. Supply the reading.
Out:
9.37
